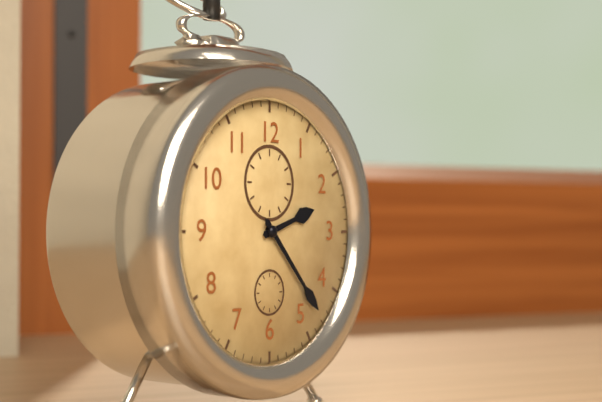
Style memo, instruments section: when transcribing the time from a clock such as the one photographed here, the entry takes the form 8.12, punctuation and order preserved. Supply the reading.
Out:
2.23
